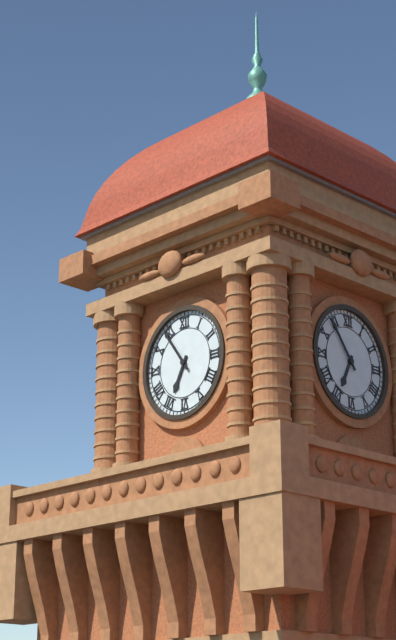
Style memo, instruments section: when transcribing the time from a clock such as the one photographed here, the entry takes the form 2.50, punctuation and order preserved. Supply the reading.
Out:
6.54
